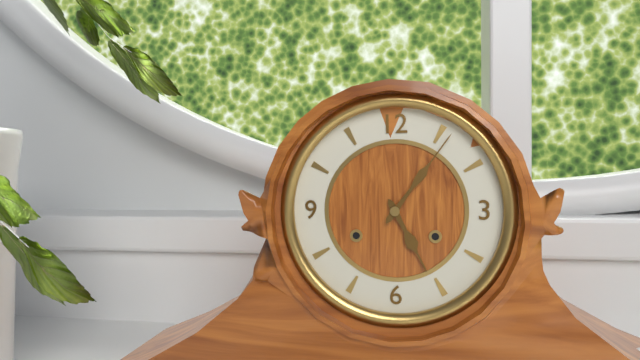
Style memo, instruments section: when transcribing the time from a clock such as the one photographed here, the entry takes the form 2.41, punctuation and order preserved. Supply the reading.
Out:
5.06
